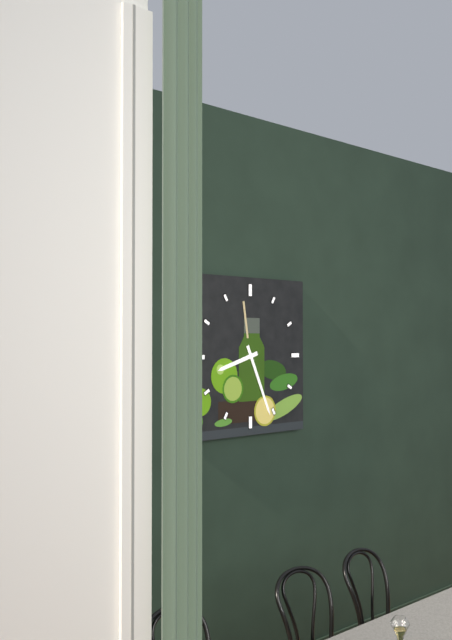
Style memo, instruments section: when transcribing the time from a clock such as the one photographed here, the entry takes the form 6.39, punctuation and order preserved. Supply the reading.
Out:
8.26
